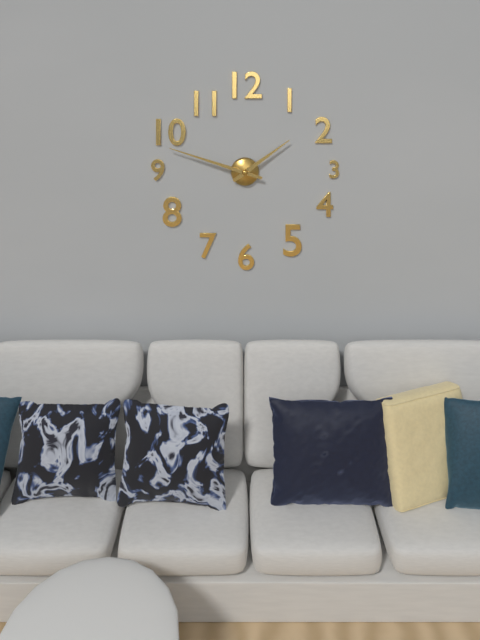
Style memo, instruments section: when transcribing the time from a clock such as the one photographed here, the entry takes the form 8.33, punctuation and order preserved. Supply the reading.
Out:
1.48
